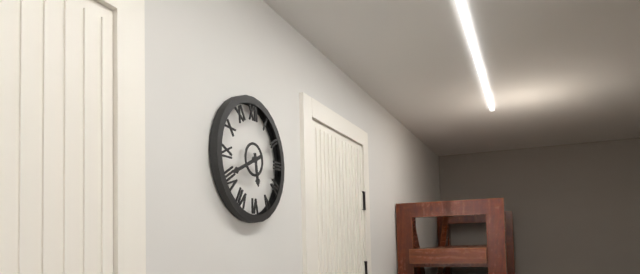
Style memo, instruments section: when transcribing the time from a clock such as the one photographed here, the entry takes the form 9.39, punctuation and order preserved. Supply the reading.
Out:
5.41
